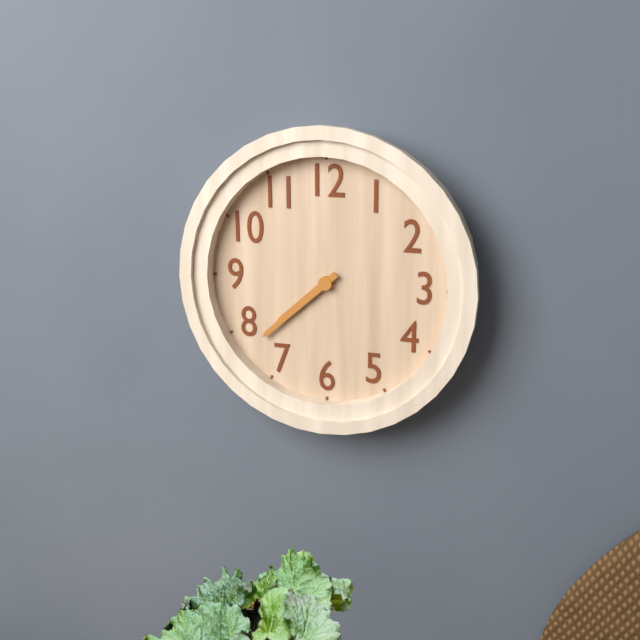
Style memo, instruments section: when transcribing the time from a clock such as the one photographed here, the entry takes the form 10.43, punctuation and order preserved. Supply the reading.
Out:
7.38
